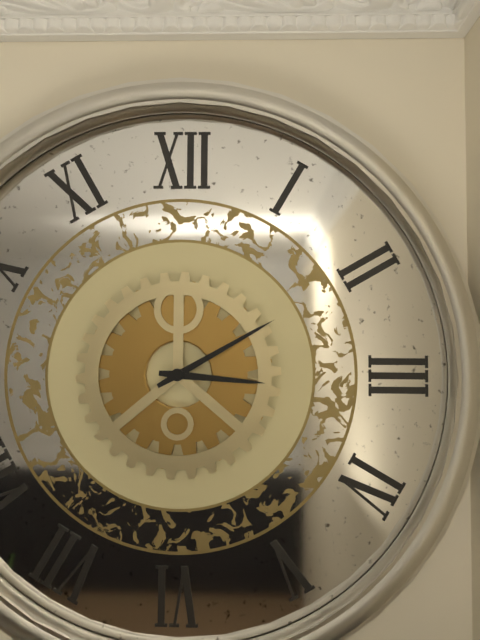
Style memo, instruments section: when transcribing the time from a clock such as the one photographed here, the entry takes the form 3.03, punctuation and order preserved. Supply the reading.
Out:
3.10
